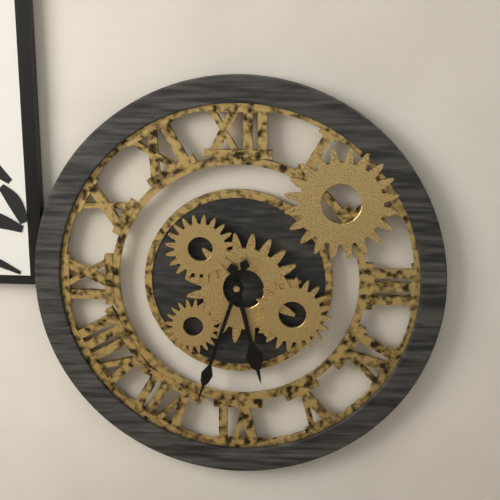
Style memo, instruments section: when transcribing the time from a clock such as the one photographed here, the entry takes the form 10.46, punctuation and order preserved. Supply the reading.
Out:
5.33
